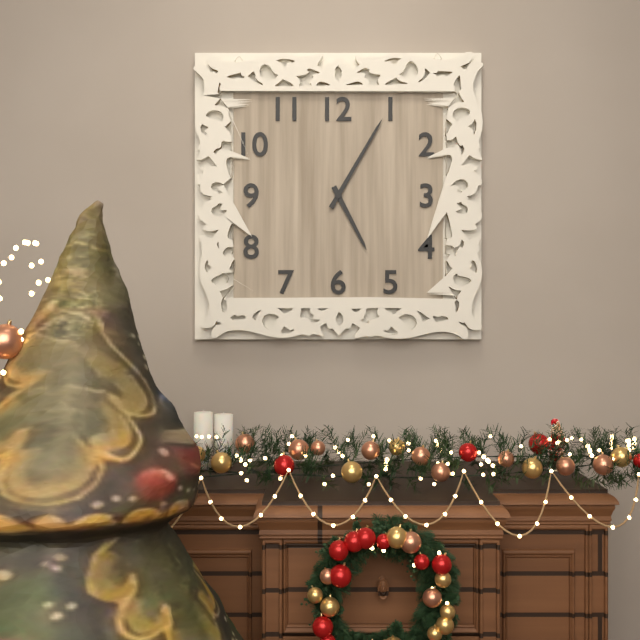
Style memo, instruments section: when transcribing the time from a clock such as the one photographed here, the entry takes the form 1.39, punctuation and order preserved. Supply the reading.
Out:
5.05
